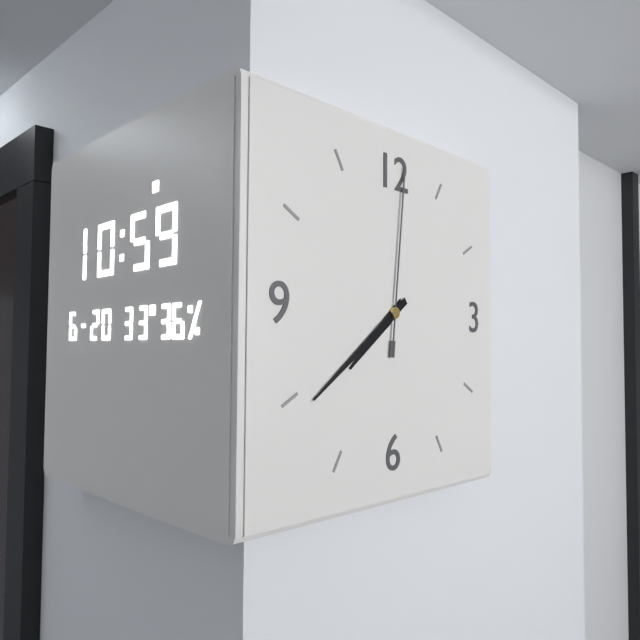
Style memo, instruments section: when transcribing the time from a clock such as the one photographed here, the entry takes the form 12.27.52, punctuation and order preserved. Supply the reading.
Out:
7.39.01
